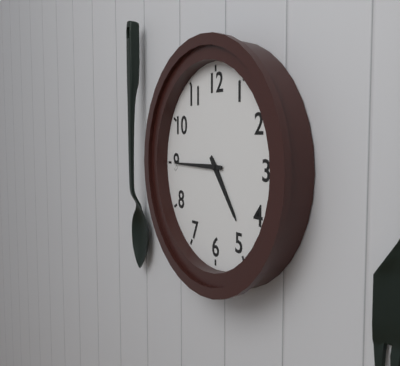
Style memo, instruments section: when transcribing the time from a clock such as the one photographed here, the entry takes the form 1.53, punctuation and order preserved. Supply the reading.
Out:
4.45
